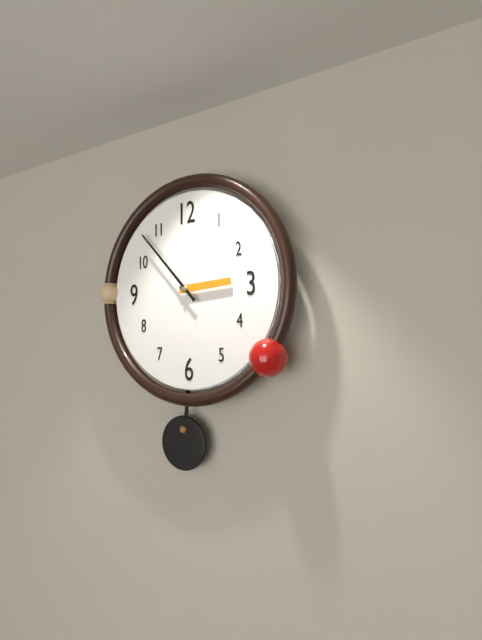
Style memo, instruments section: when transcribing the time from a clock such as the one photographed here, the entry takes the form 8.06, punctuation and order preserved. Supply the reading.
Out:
2.53
